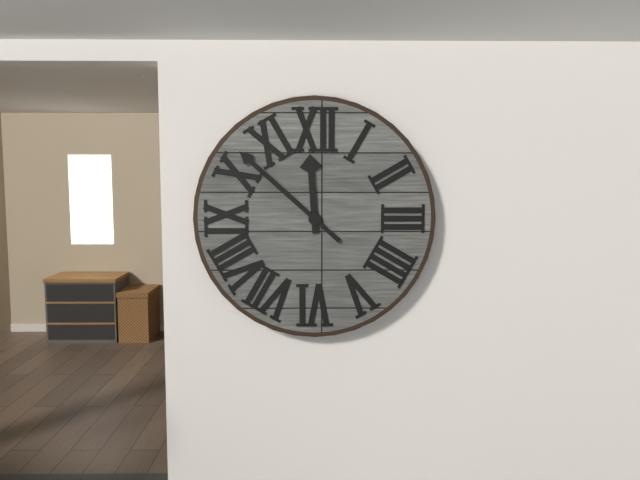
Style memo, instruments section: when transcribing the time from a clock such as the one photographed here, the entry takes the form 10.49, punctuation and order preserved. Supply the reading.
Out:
11.52
